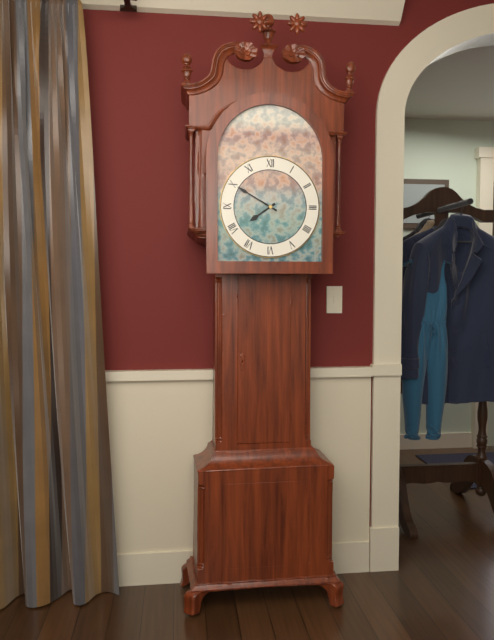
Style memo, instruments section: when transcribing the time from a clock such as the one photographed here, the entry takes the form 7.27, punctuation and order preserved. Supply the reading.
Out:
7.50
